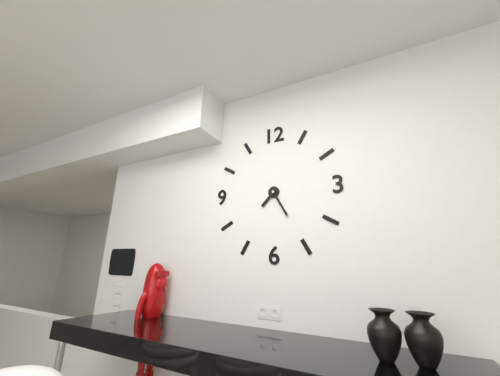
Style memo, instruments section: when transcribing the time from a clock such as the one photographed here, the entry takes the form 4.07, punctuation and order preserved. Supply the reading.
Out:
7.25
